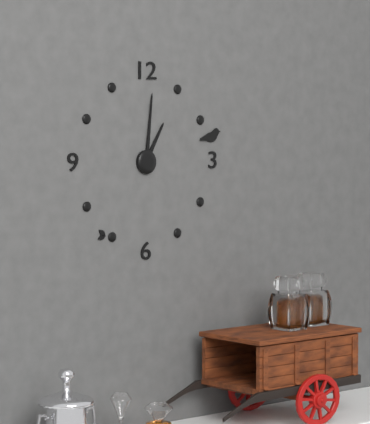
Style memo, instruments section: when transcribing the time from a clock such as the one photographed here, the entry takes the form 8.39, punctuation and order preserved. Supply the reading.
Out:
1.01
